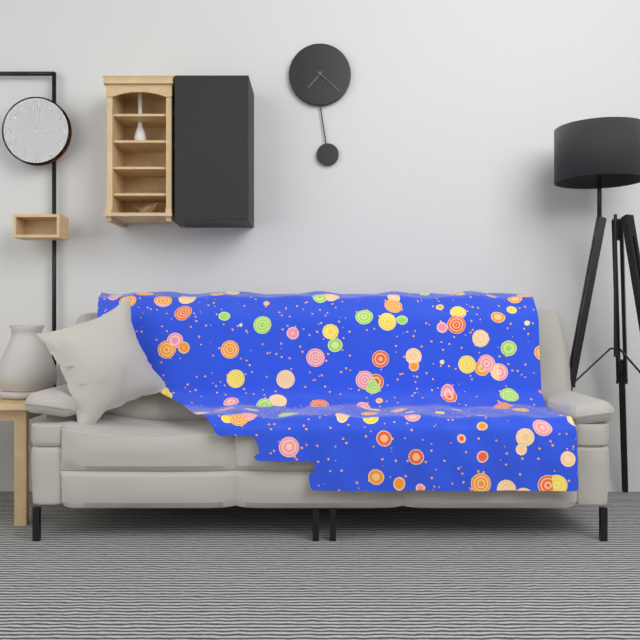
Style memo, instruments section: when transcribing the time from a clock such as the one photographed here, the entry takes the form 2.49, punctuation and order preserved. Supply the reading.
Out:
7.22
